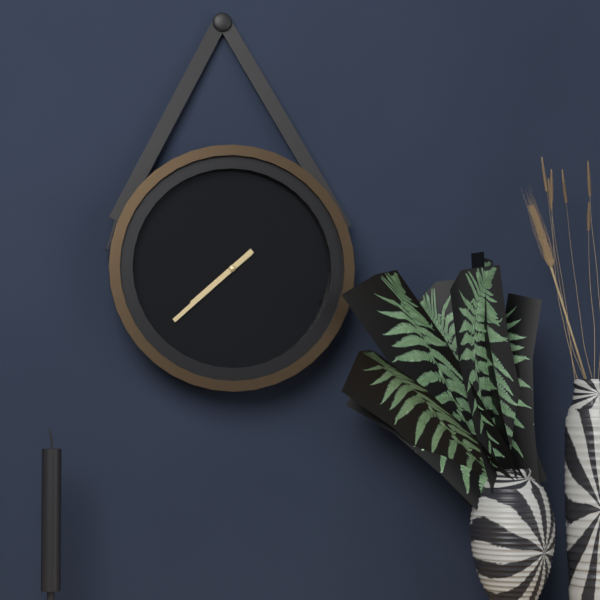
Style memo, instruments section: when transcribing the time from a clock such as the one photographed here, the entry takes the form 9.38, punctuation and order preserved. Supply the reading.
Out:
7.38
